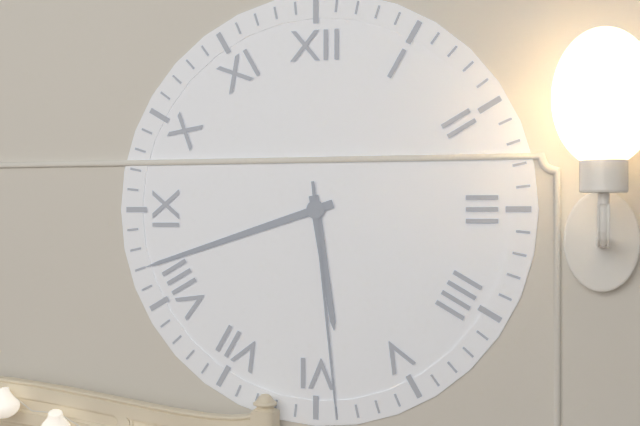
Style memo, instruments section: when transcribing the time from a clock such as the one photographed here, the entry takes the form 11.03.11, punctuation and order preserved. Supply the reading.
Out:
5.42.29
